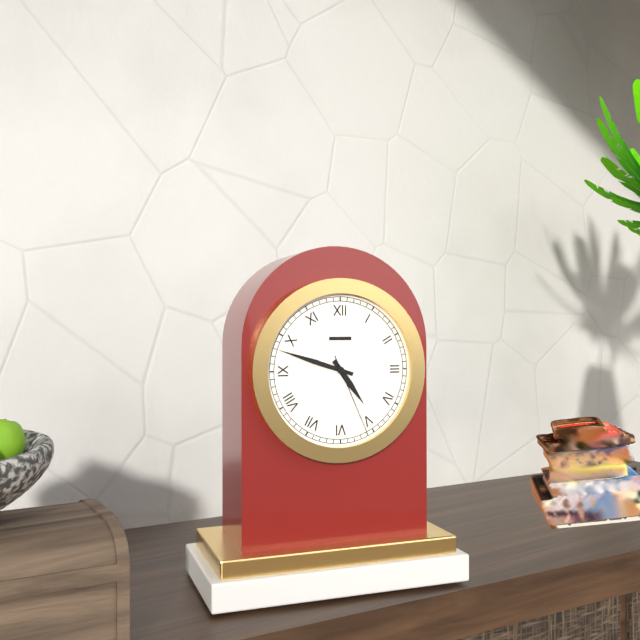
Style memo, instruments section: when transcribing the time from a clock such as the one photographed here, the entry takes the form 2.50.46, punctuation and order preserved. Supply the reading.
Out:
4.48.26
